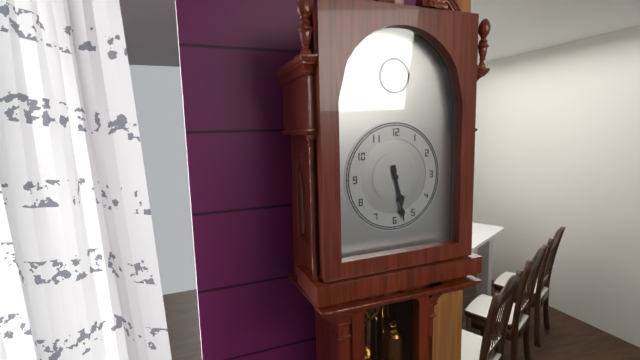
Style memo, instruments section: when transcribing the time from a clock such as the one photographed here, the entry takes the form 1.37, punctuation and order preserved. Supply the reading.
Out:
5.28
